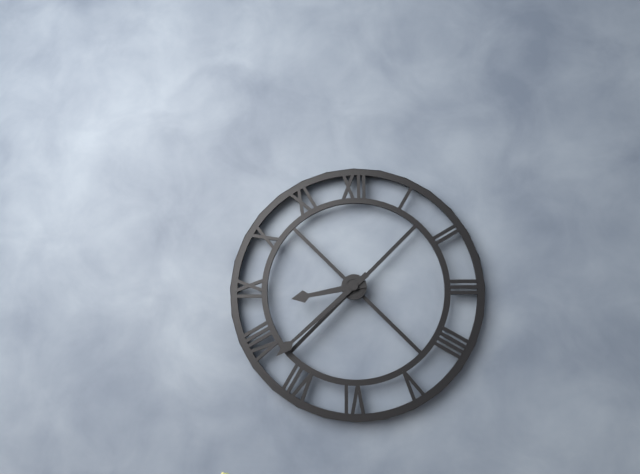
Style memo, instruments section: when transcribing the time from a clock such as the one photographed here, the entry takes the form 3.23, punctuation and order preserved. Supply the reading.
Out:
8.38
